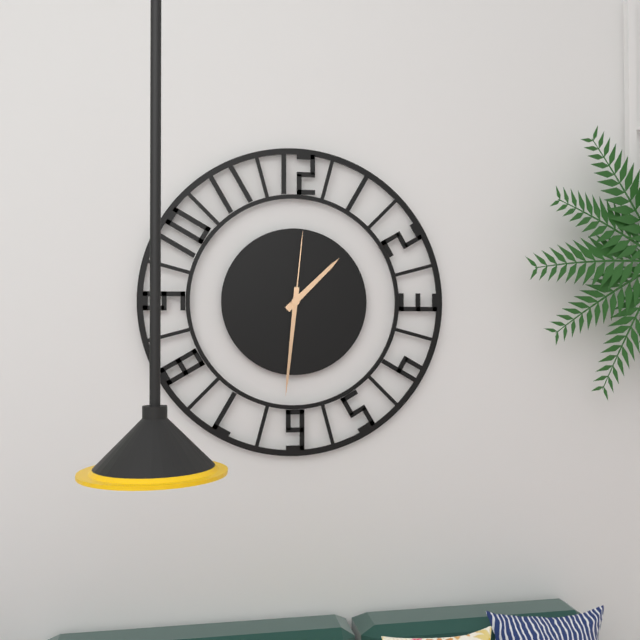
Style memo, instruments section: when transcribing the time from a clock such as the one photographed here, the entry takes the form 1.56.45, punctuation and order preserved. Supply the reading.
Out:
1.31.01
